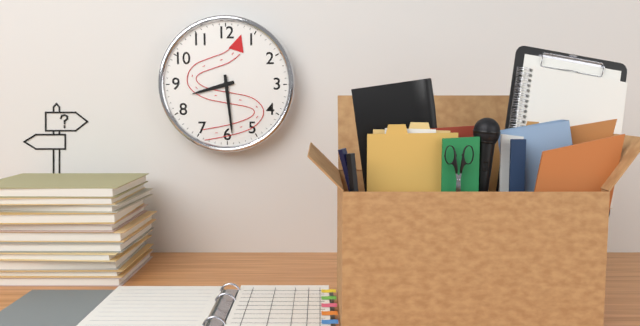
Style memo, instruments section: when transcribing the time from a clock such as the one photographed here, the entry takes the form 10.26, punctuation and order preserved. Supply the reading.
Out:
8.29
